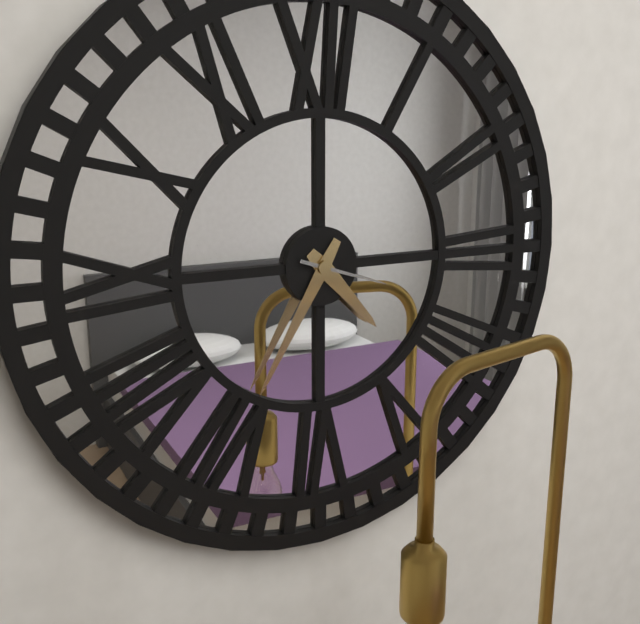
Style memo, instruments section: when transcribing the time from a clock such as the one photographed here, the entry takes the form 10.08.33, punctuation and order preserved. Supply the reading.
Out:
4.35.18
